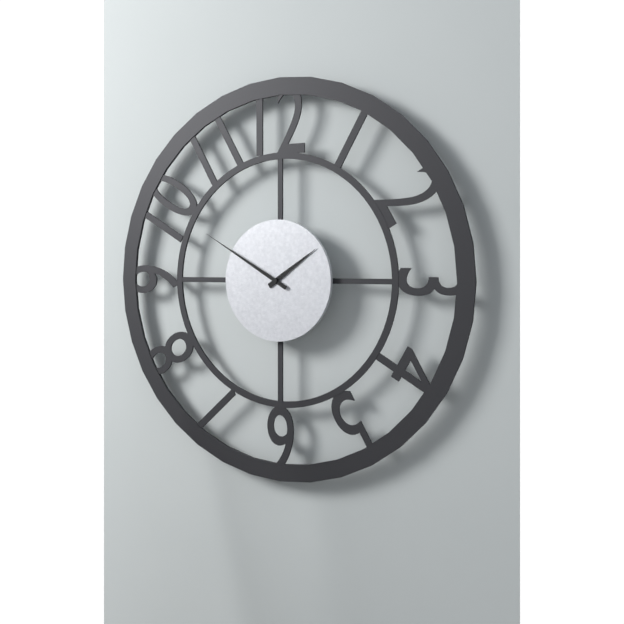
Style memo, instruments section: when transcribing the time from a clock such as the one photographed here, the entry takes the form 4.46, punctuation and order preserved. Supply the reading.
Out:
1.50
